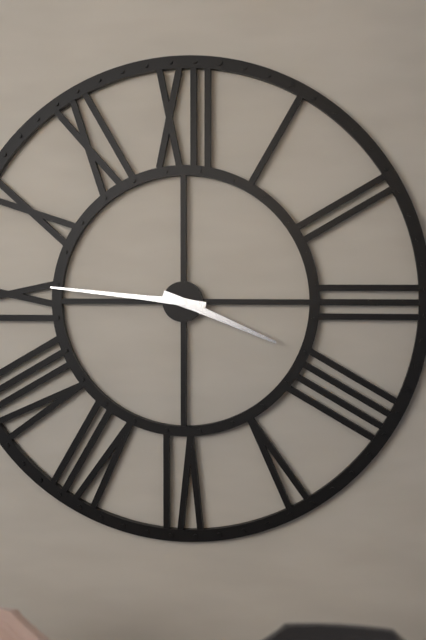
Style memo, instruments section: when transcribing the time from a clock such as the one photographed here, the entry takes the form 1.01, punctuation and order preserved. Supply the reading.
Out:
3.46
